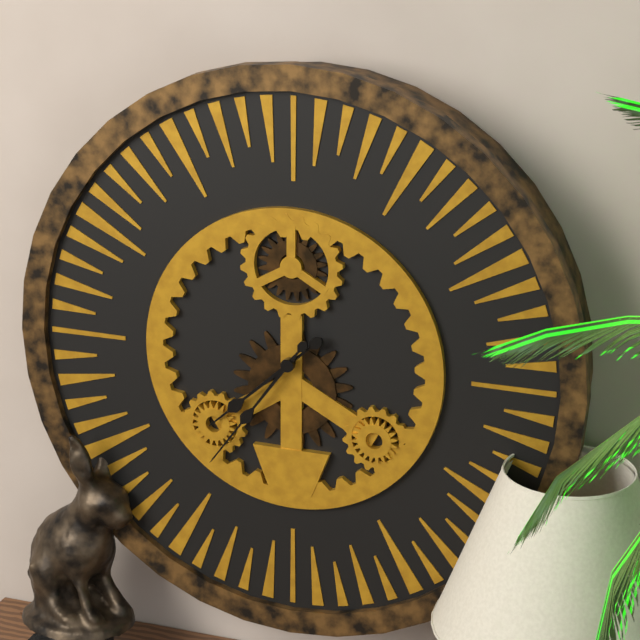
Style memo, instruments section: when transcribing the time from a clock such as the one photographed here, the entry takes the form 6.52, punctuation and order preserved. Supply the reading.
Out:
7.36
